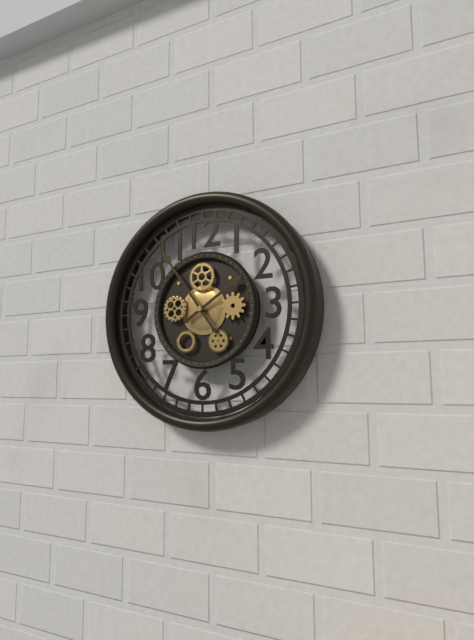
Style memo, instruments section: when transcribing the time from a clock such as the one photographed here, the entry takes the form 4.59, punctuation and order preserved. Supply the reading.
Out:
1.54
